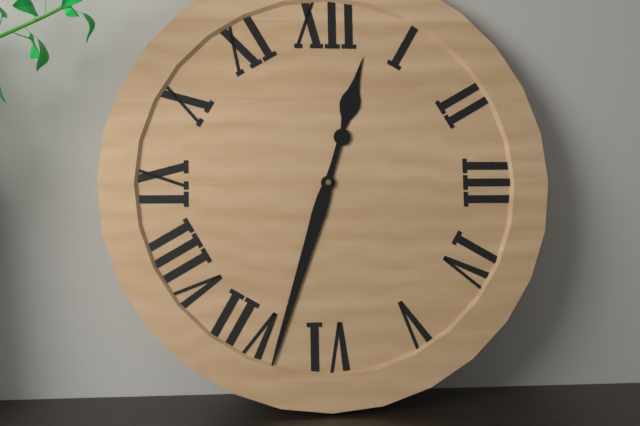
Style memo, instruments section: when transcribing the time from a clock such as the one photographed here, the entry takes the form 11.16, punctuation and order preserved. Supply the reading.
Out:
12.33
